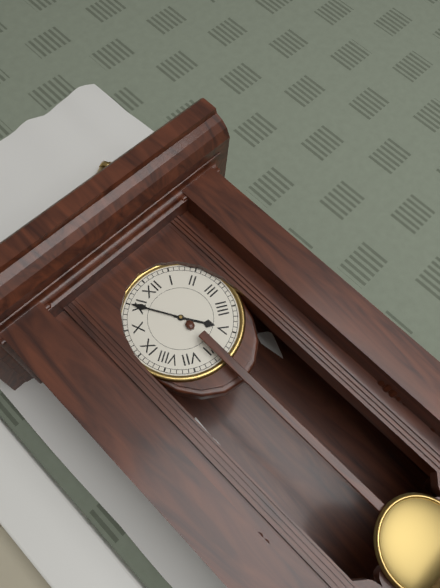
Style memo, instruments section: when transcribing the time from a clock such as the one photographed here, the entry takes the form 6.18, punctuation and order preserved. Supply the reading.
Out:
4.55
